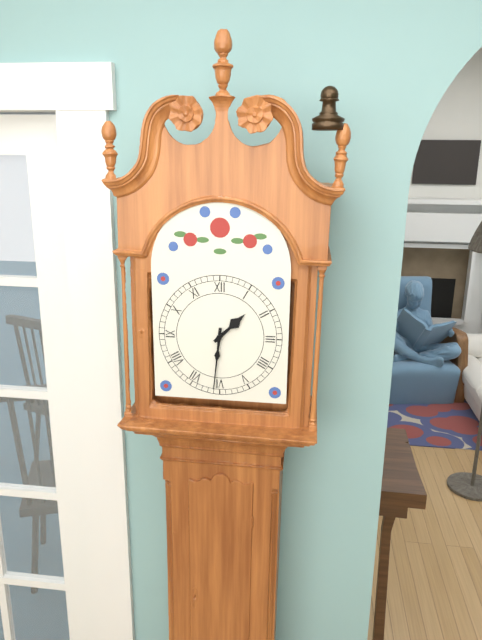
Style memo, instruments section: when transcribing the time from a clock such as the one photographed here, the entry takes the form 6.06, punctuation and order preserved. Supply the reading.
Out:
1.31
